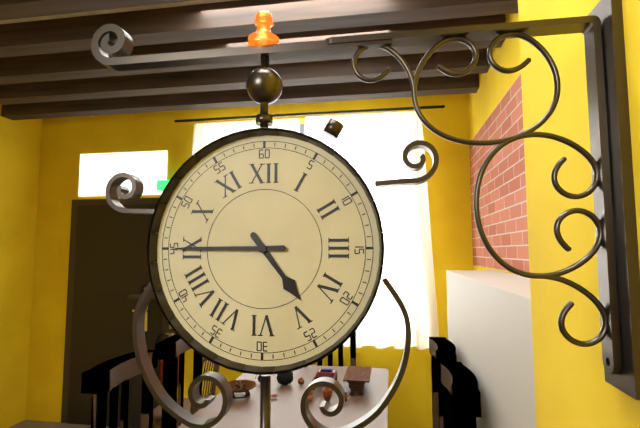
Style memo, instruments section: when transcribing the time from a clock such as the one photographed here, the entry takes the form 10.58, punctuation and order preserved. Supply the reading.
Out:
4.45
